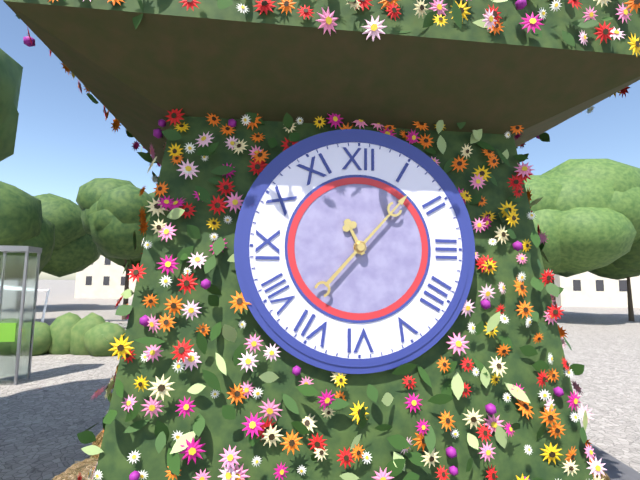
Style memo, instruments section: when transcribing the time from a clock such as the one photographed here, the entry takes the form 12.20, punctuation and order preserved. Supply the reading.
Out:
11.07
